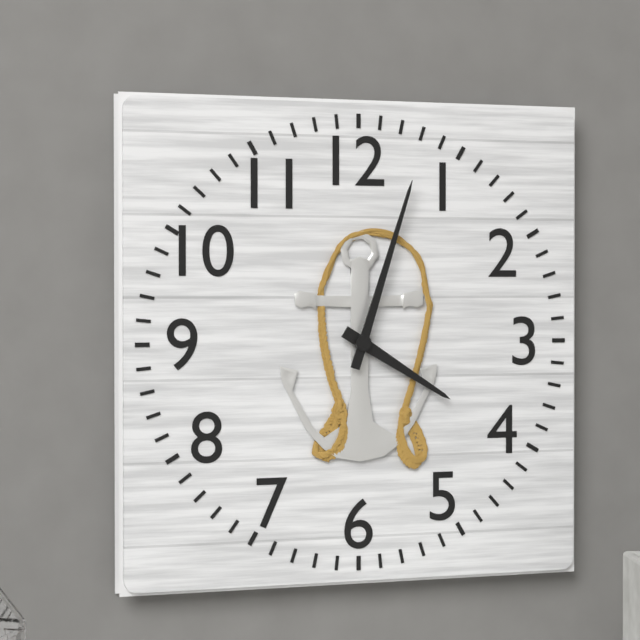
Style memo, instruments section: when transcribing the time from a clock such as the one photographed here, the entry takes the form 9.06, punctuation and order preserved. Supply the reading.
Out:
4.03
